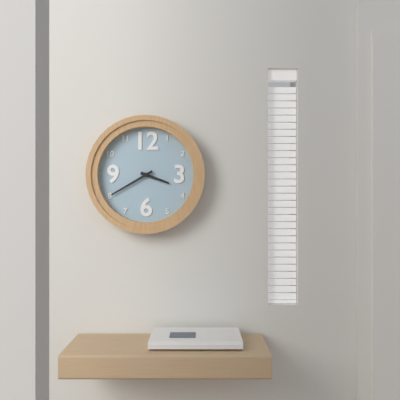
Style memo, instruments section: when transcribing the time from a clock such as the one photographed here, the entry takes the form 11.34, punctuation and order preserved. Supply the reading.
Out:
3.40
